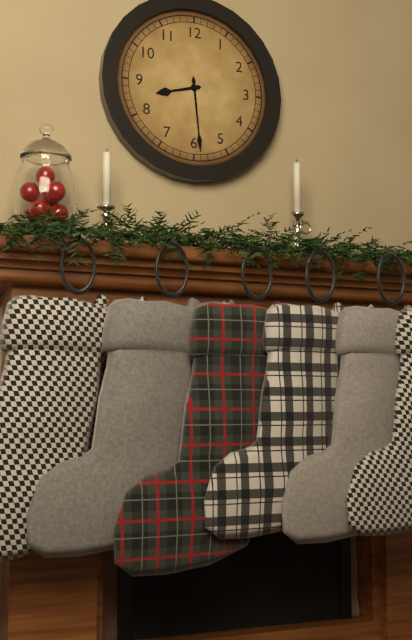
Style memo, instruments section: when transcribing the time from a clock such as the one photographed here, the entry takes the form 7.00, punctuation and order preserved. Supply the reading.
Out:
8.29
